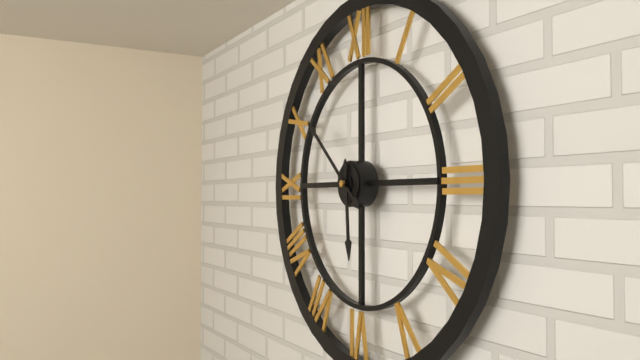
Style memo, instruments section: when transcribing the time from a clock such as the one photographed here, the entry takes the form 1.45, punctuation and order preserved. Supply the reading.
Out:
5.52
